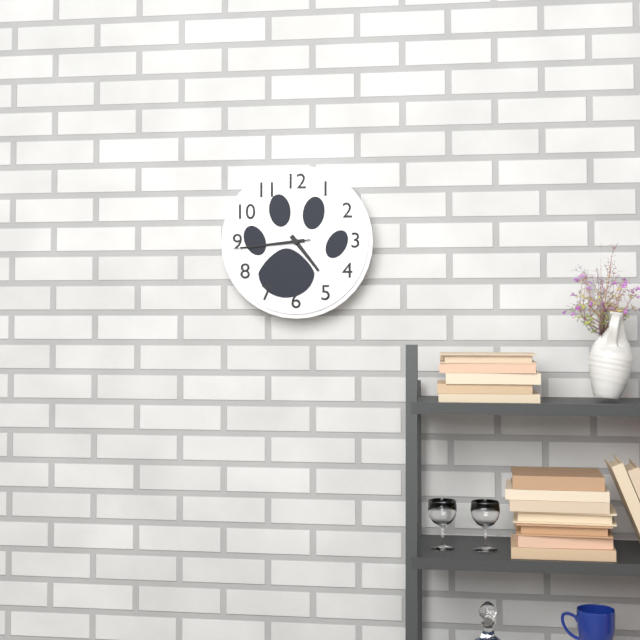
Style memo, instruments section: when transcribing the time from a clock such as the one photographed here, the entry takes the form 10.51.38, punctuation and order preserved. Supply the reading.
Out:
4.44.44
